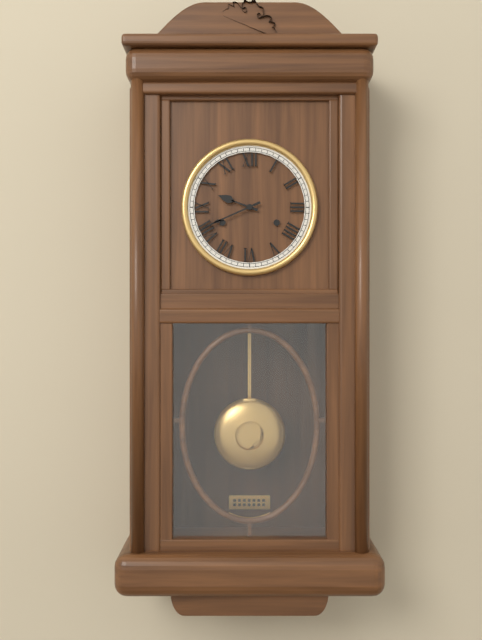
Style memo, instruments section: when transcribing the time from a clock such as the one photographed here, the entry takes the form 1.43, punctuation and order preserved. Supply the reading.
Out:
9.41
